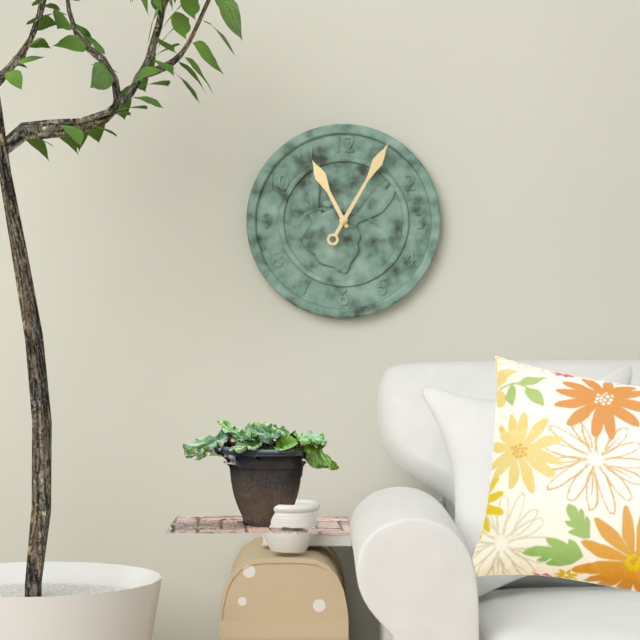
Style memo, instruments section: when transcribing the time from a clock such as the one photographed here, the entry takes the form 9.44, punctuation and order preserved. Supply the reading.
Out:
11.05
